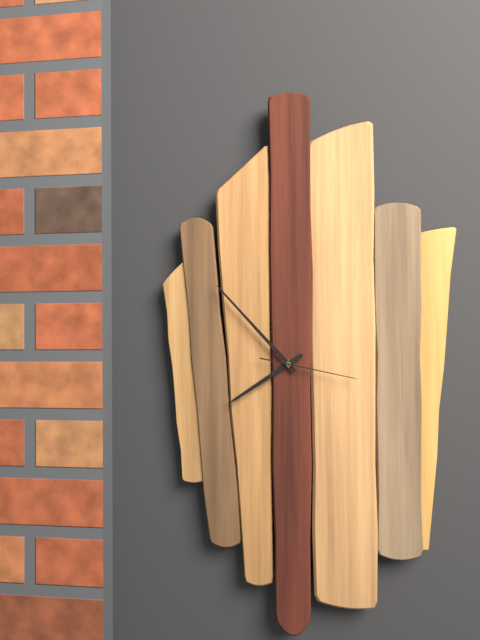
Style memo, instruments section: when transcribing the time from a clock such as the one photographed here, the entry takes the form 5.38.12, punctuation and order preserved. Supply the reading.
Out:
7.53.17
